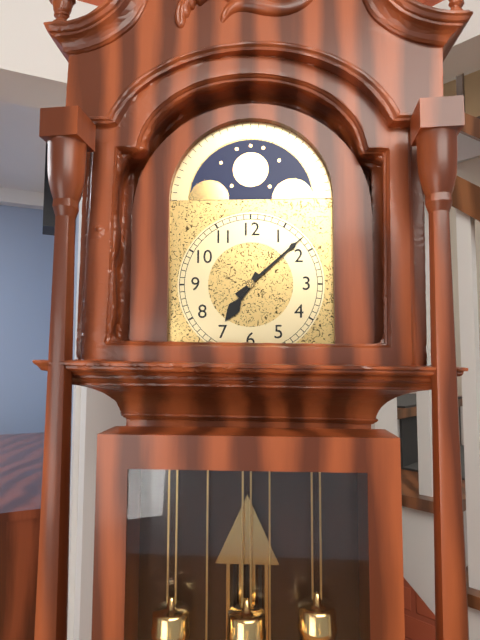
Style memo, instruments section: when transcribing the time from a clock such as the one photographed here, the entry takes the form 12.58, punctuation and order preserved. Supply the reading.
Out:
7.08
